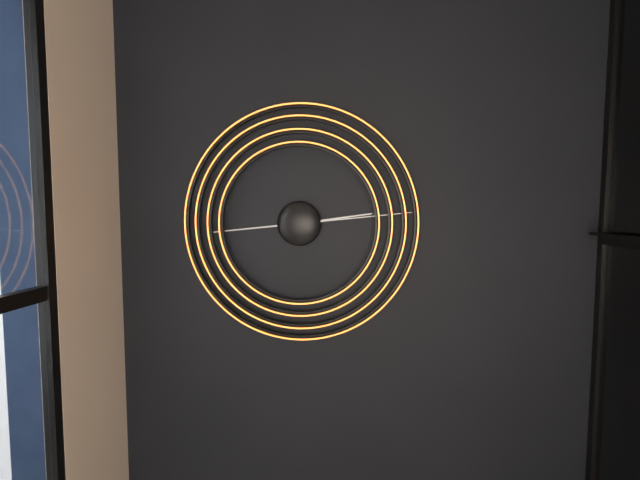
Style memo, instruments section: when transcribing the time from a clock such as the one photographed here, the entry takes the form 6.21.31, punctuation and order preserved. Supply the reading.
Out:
2.44.14
